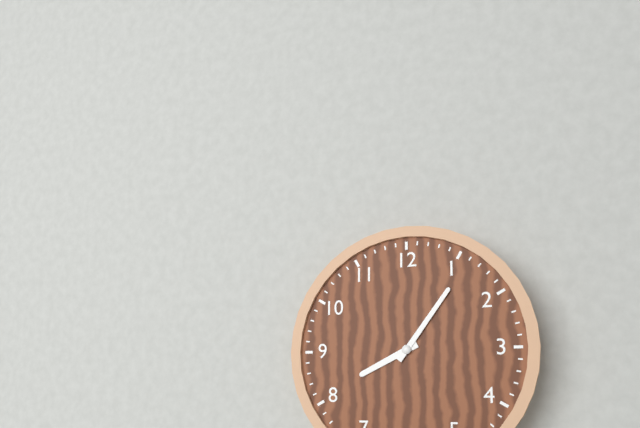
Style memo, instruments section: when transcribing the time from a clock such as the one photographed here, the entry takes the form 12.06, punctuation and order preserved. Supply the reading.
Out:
8.06
